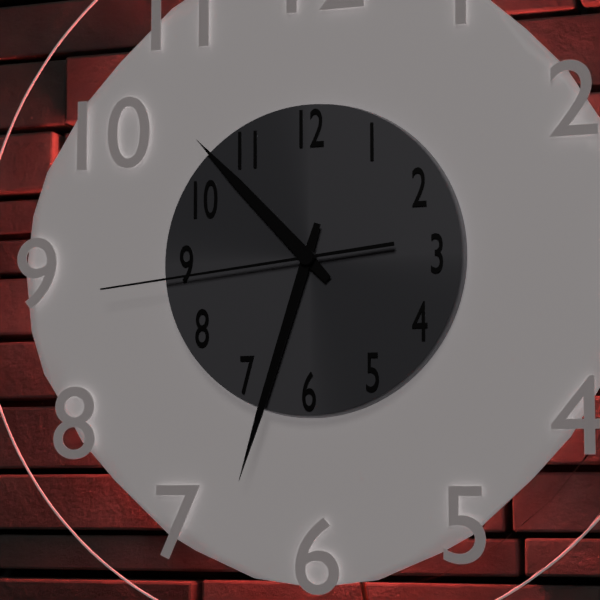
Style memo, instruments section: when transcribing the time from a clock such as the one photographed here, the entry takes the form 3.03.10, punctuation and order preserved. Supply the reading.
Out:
10.33.44
